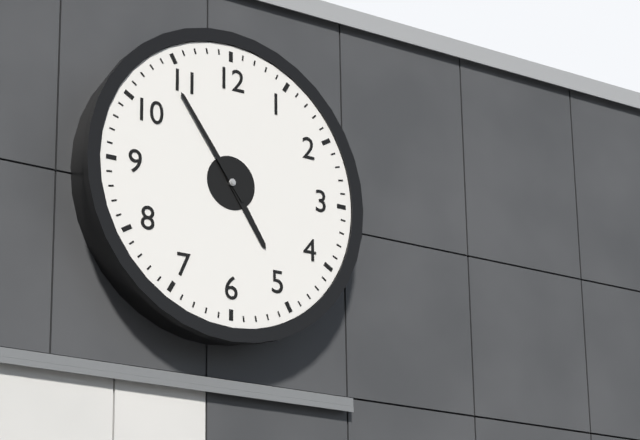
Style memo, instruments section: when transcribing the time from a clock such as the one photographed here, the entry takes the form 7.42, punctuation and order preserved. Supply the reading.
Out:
4.54
